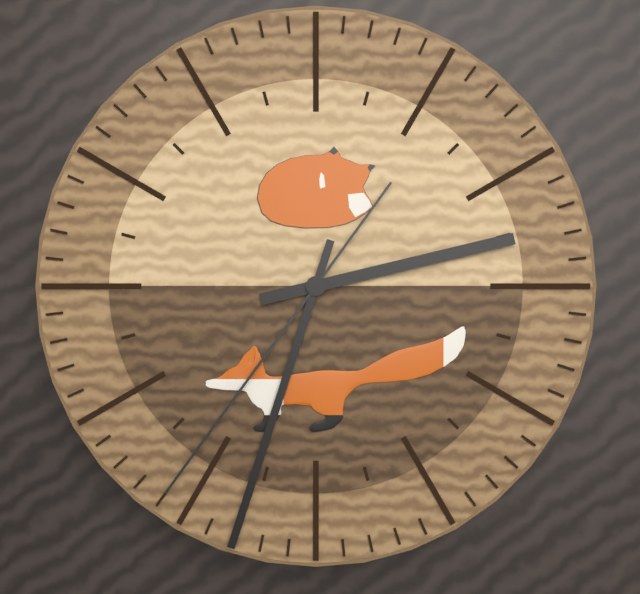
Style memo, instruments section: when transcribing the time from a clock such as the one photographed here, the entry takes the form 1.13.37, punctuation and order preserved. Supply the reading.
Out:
2.33.36
